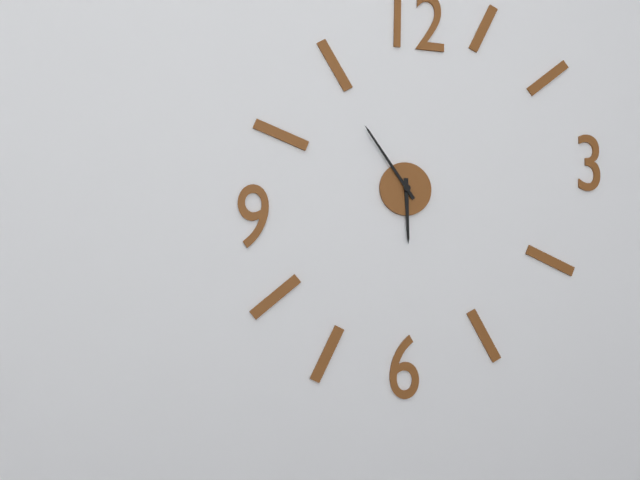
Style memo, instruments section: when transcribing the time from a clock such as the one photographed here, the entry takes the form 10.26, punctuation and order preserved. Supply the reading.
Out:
5.54
